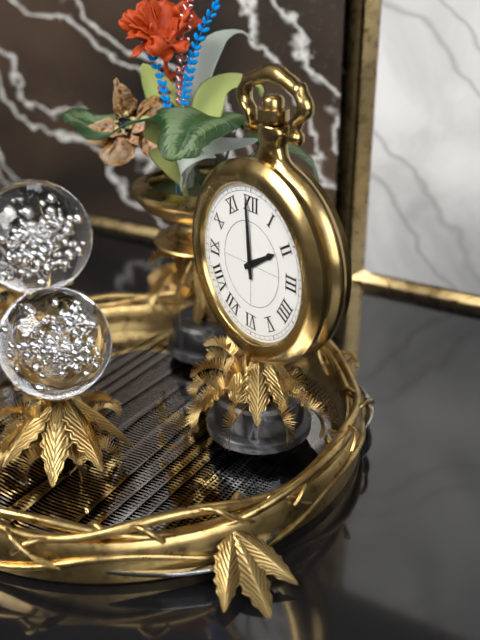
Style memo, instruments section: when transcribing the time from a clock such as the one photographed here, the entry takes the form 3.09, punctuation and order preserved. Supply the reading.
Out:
1.59
